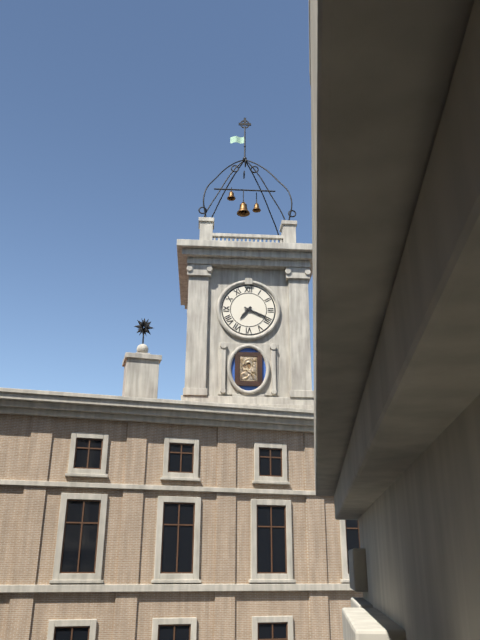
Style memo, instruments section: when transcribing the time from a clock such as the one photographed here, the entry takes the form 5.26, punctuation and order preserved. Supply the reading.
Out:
7.19
